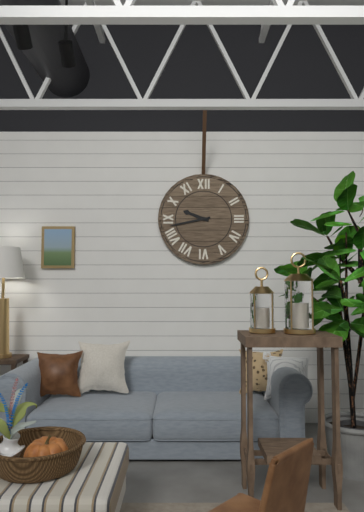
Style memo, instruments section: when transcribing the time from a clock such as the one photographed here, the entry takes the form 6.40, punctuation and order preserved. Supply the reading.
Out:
9.43
